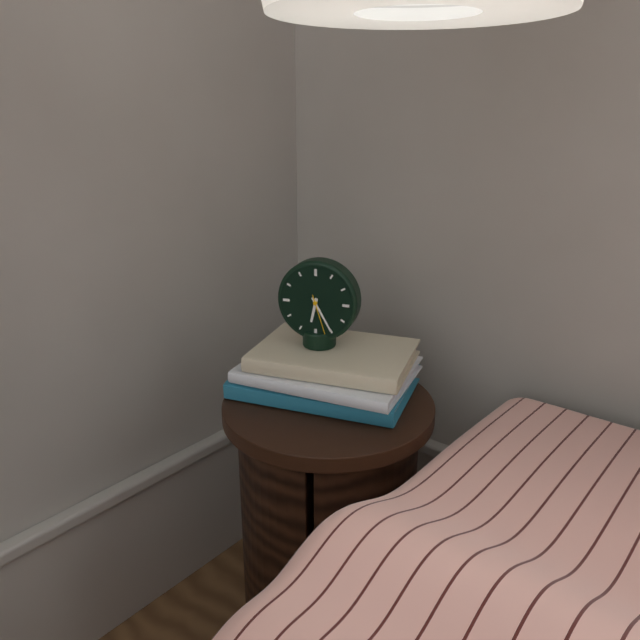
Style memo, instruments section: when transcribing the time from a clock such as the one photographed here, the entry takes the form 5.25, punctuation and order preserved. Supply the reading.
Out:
6.25
